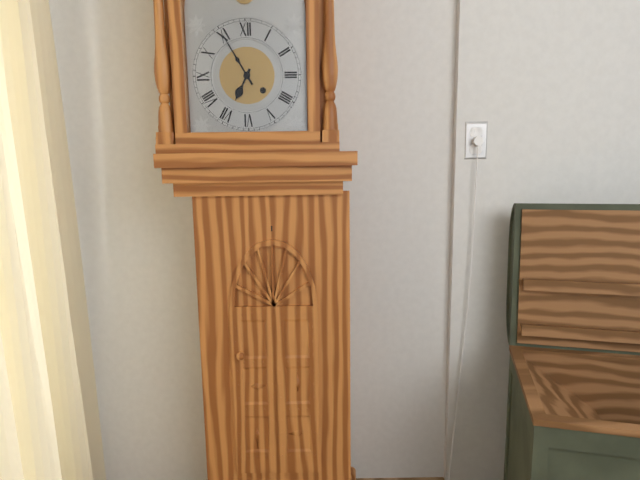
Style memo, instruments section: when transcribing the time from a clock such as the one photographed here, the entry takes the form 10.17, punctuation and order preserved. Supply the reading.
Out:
6.55
